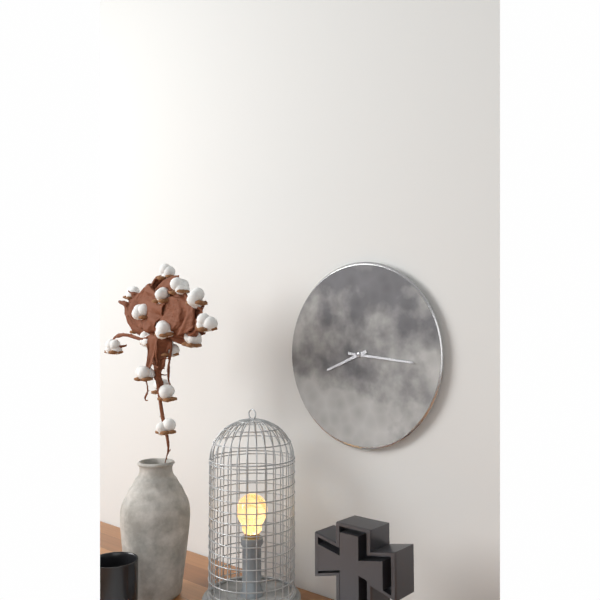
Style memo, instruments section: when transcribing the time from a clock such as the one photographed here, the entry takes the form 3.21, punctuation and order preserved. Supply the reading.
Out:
8.16
